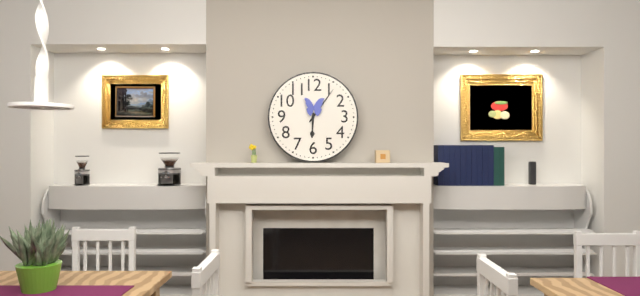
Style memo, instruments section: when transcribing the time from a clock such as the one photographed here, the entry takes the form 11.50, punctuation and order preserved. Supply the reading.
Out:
6.06
